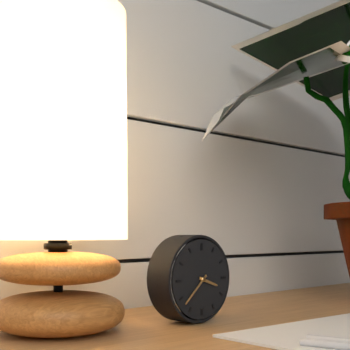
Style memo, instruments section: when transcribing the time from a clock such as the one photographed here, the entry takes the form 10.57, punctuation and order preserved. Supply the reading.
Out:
3.38
